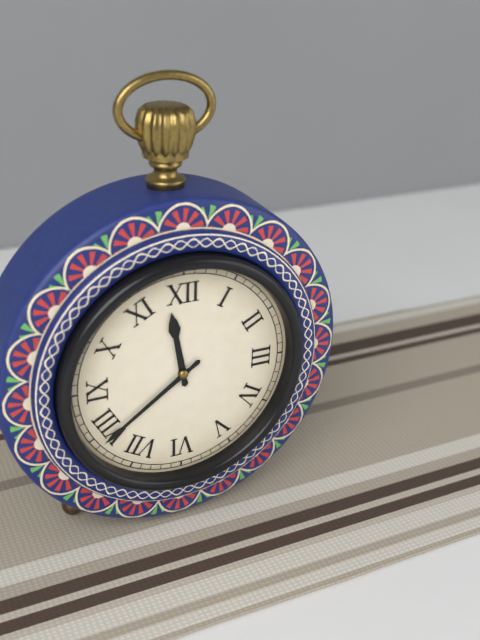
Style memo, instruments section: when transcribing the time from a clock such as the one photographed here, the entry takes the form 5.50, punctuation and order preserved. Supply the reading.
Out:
11.39
